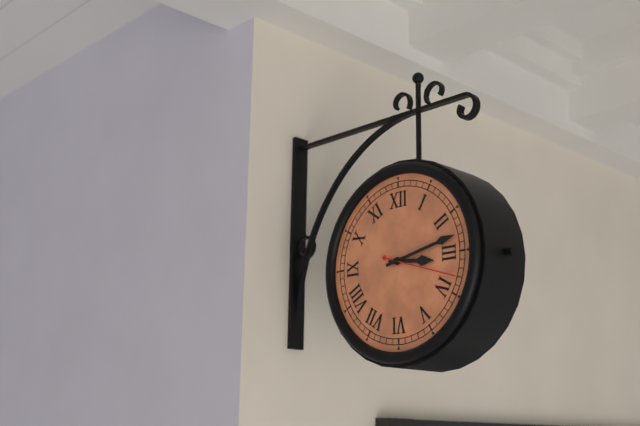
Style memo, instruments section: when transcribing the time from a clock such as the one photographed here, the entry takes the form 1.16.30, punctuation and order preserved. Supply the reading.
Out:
3.13.18
